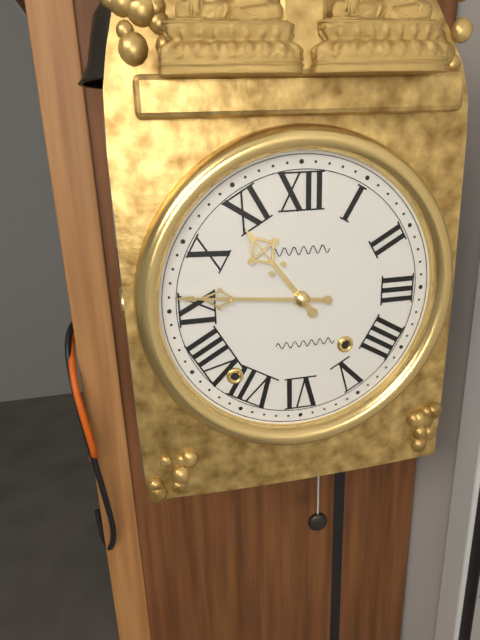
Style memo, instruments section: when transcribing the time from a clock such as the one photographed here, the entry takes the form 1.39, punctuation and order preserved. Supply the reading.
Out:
10.46
